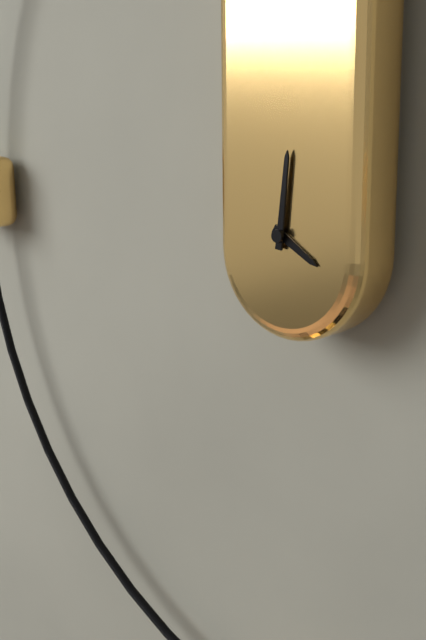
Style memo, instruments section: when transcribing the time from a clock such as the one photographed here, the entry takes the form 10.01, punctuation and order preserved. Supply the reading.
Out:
4.01
